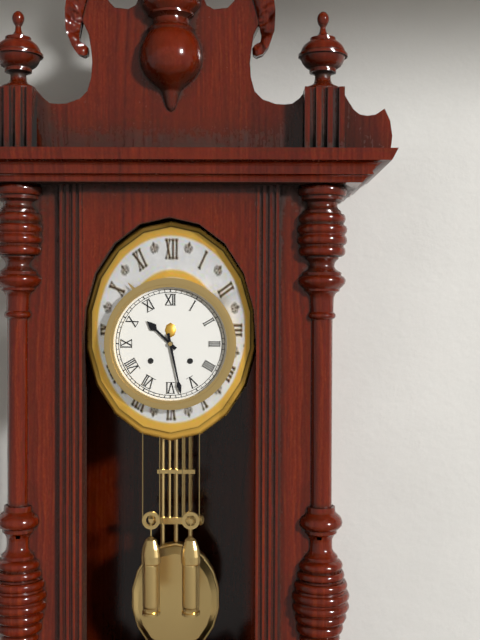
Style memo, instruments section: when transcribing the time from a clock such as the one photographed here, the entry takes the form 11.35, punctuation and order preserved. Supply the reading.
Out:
10.28
